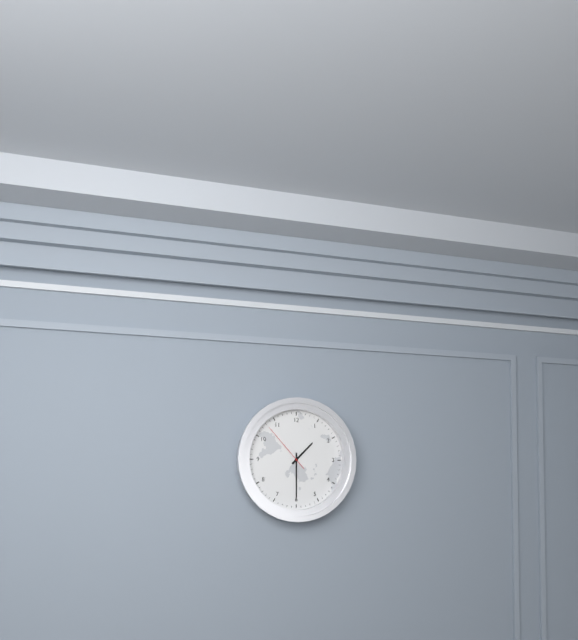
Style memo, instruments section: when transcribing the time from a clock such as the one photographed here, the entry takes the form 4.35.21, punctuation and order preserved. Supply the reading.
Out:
1.30.53
